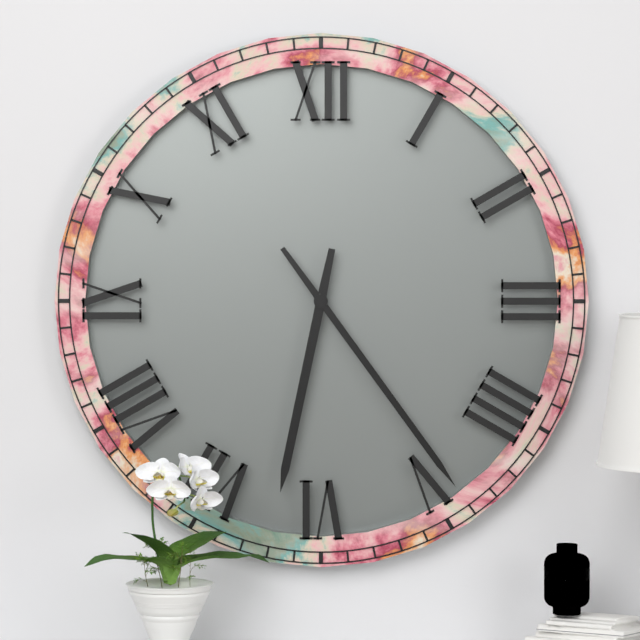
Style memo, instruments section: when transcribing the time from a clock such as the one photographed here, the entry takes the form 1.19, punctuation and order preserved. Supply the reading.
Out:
6.24
